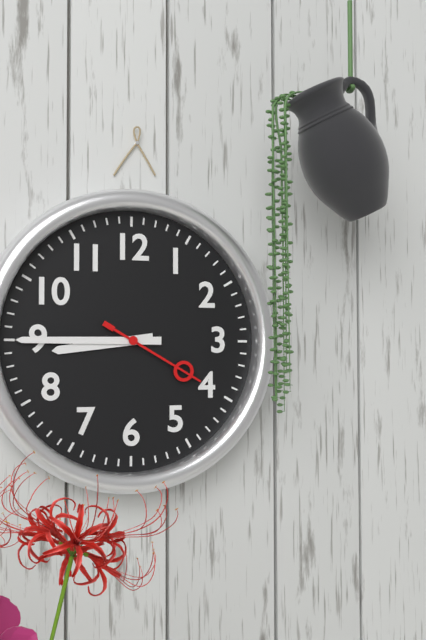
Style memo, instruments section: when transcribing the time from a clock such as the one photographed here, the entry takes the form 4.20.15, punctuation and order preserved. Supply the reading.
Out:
8.45.20
